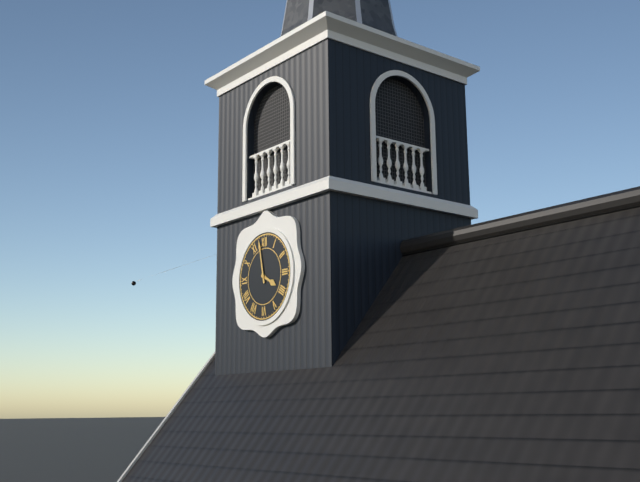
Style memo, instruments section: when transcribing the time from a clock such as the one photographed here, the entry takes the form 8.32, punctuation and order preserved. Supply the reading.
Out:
3.58
